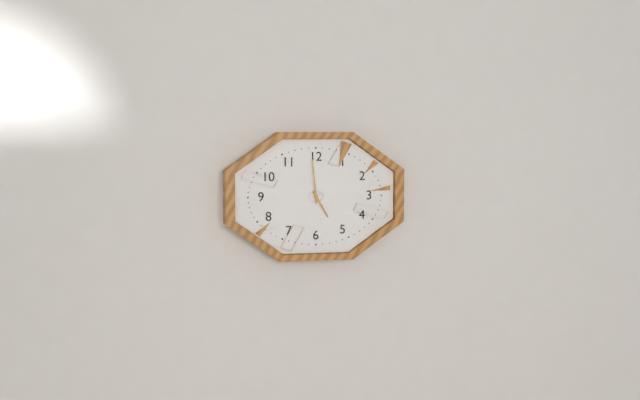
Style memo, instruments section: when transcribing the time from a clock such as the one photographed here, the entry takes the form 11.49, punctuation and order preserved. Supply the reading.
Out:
4.59
